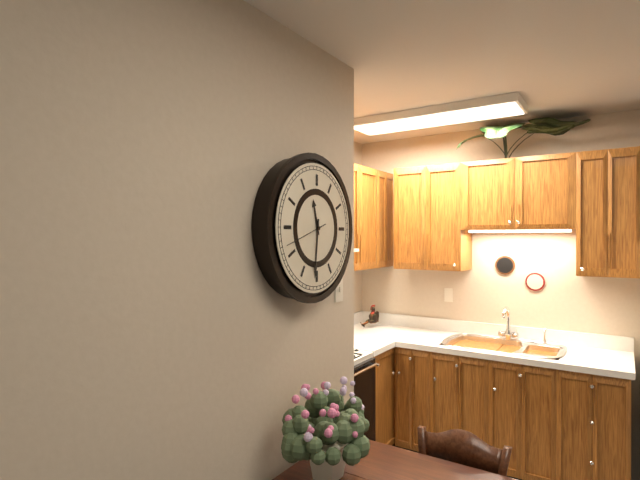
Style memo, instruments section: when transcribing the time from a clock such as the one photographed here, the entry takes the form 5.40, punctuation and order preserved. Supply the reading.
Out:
11.31
